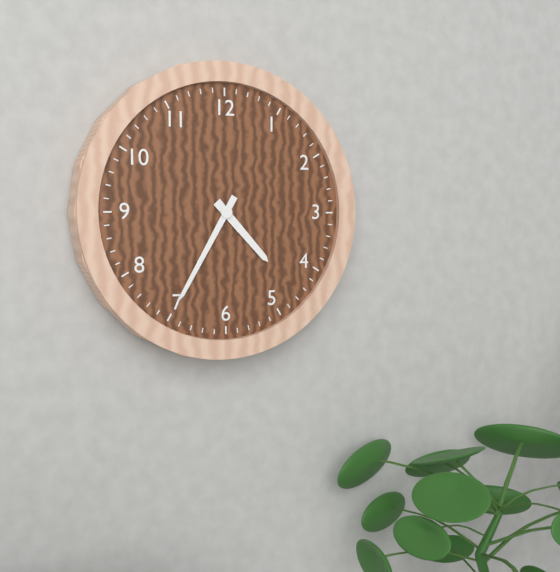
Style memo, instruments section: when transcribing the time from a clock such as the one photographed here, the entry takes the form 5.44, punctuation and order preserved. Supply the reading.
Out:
4.35
